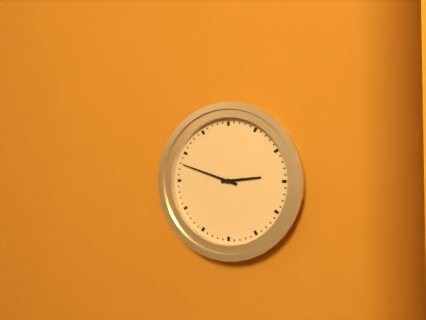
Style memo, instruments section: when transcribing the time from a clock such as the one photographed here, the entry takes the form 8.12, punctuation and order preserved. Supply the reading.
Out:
2.48
